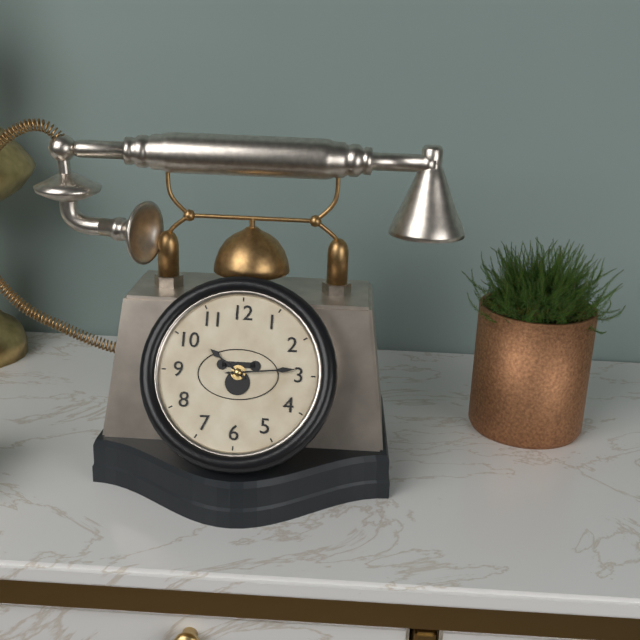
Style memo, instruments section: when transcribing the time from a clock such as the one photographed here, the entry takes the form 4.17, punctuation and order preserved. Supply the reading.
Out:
10.14
